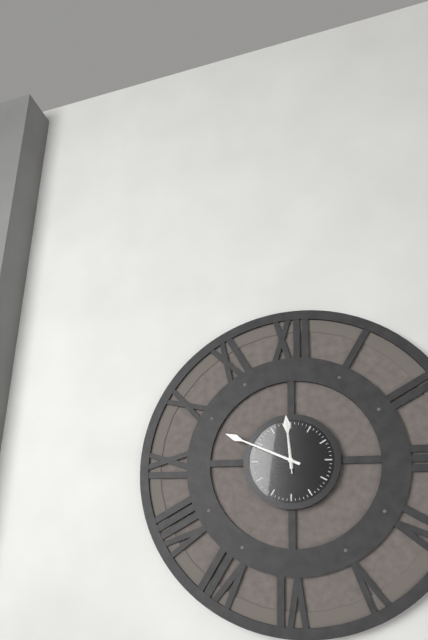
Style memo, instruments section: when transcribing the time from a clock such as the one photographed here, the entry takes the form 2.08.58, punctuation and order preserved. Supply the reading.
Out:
11.49.59
